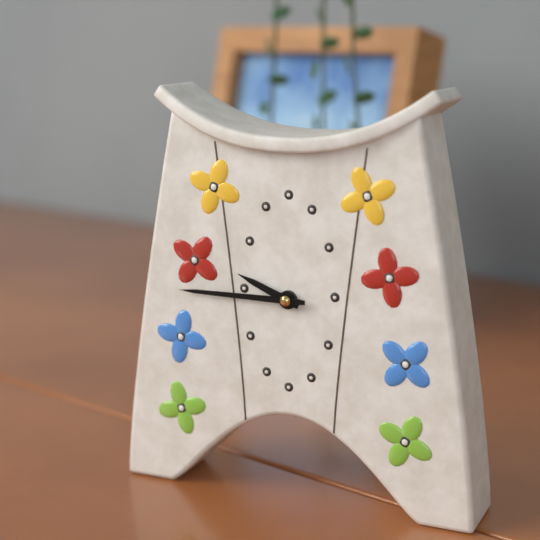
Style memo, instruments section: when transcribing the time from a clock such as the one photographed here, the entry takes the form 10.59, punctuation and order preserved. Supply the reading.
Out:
9.45
